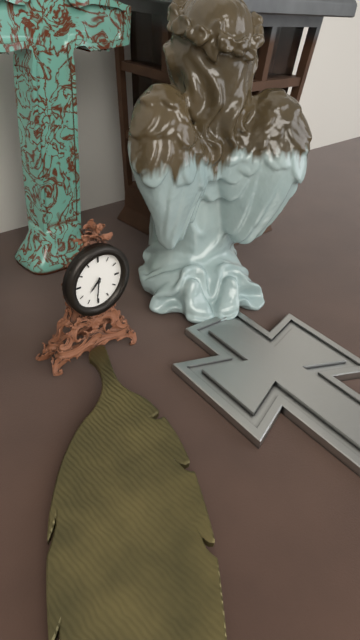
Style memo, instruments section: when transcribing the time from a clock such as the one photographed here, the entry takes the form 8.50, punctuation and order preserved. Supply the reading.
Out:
7.31
